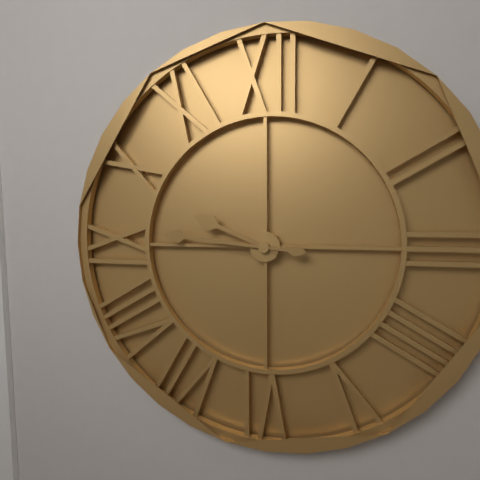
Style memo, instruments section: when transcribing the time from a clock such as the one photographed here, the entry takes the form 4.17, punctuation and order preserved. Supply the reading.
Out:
9.46
